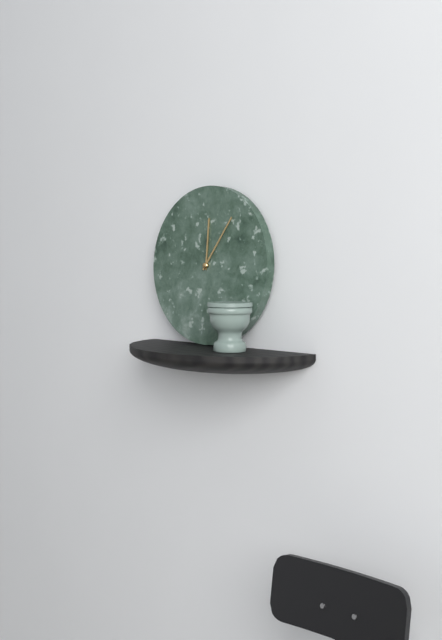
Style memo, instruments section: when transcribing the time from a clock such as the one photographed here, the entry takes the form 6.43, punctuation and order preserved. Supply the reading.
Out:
12.06
